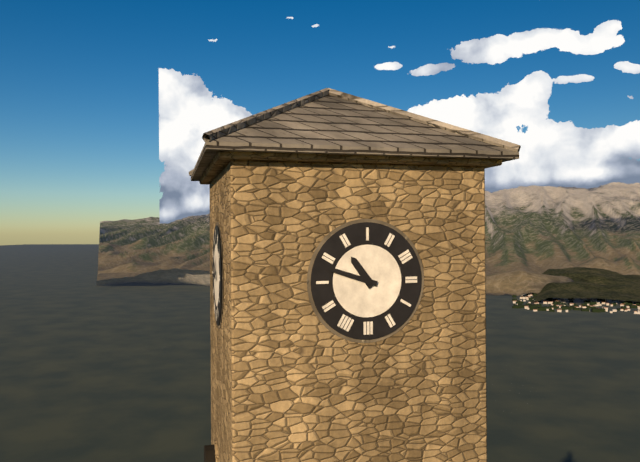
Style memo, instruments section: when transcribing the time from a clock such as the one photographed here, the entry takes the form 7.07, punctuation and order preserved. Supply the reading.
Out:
10.48
